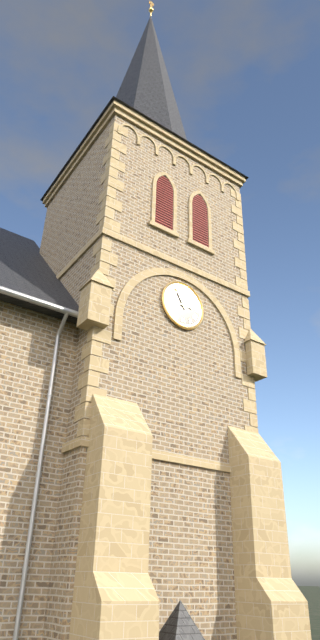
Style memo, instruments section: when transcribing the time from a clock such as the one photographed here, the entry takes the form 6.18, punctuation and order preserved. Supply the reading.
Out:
2.55
